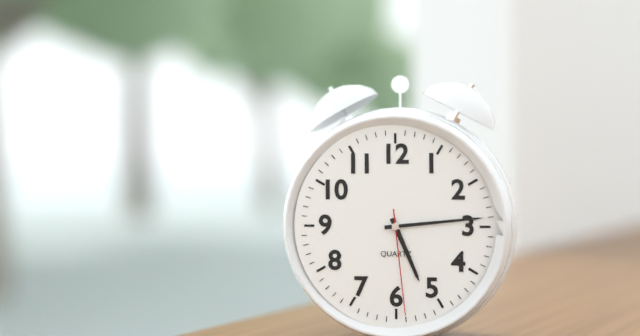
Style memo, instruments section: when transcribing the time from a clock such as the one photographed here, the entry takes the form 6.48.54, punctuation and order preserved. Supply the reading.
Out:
5.14.29
